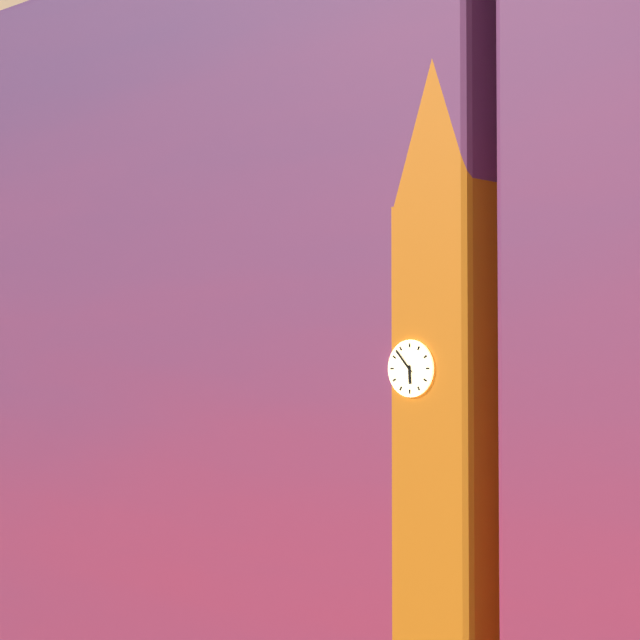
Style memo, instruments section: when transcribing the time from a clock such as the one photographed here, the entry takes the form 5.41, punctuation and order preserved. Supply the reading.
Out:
5.53
